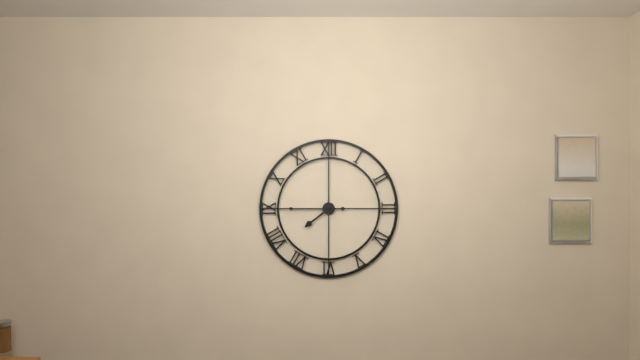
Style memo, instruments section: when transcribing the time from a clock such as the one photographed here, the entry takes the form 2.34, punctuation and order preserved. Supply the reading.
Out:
7.45
